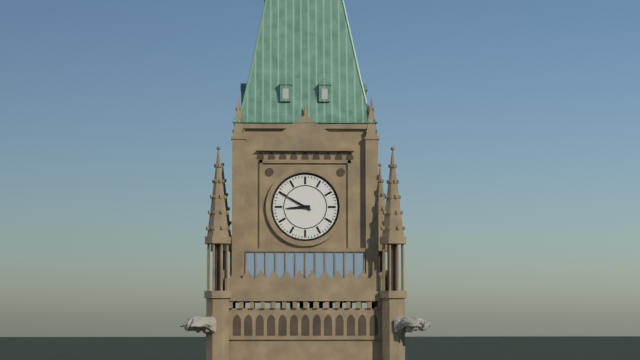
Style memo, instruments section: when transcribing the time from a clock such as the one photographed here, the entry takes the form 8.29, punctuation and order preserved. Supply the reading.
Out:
8.50
